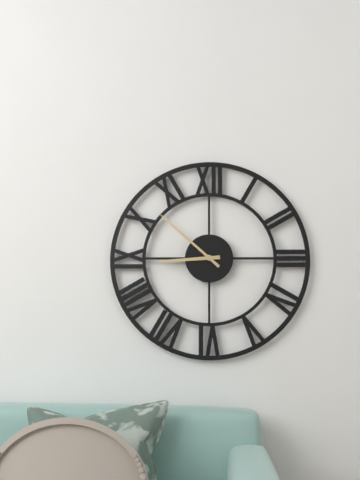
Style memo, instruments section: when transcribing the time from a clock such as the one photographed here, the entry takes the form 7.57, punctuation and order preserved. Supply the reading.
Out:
8.52
